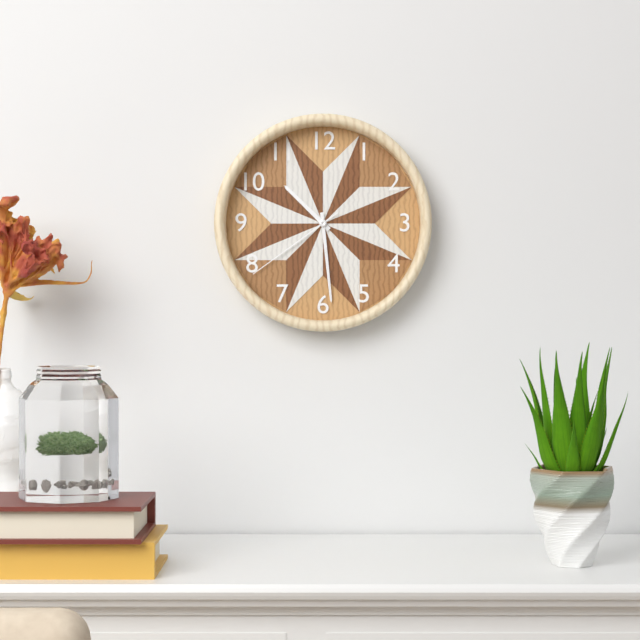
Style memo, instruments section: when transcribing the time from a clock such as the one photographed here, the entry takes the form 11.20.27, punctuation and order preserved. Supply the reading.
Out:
10.29.39
